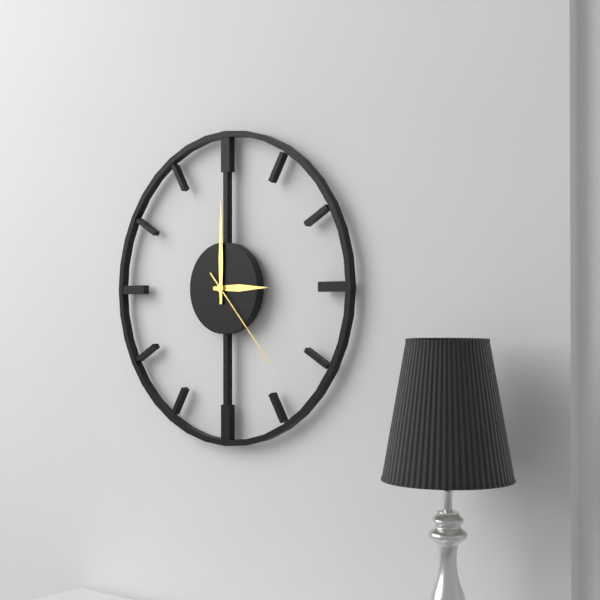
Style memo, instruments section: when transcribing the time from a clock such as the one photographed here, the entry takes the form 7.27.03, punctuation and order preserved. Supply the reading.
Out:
3.00.23
